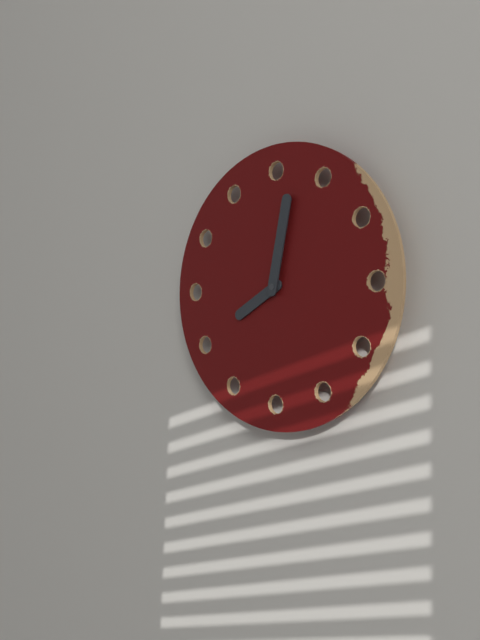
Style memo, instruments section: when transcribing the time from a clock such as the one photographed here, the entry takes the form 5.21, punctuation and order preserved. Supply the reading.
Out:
8.02
